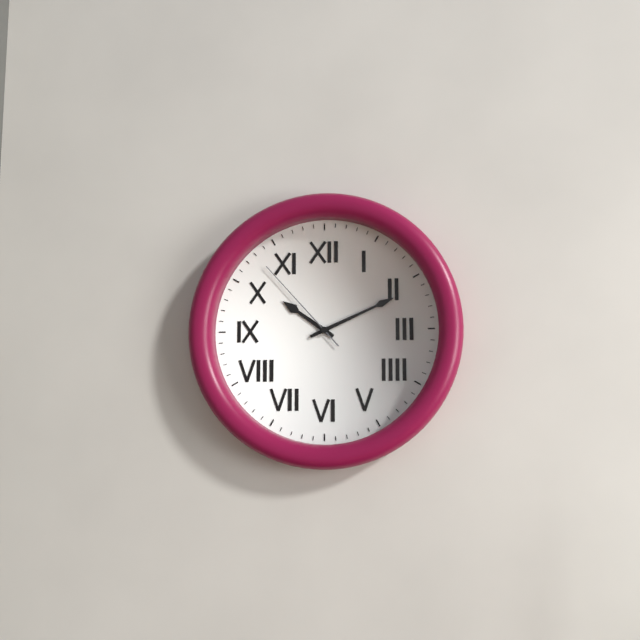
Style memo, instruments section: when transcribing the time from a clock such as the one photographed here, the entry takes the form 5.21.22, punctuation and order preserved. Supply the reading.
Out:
10.11.53
